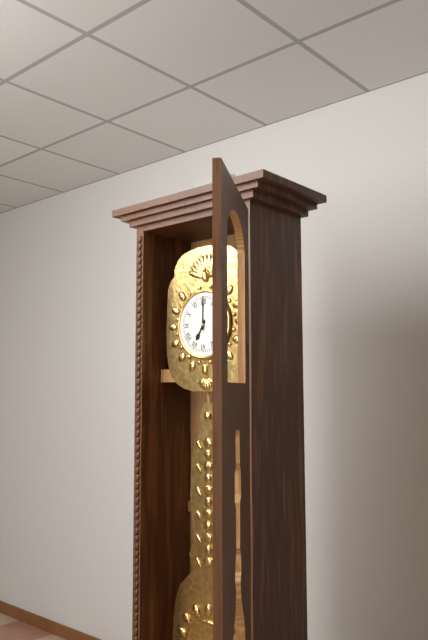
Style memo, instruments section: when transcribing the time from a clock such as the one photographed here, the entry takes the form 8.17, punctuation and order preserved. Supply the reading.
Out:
7.00
